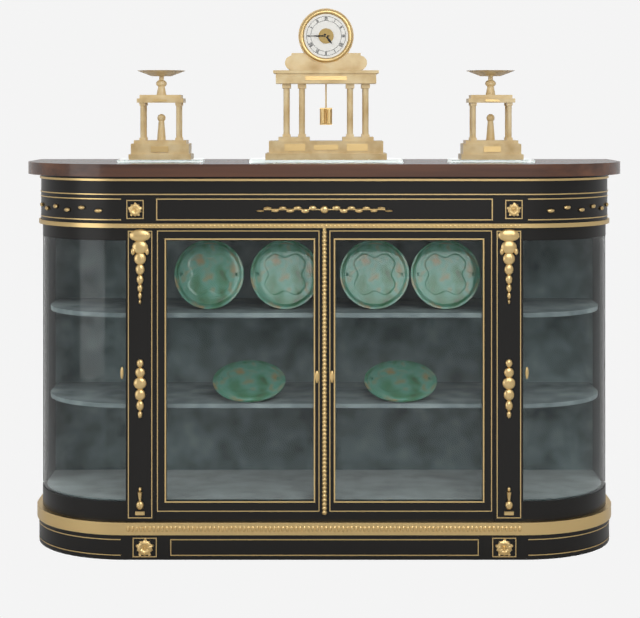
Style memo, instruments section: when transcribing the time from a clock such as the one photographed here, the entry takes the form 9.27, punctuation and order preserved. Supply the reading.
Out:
4.45
